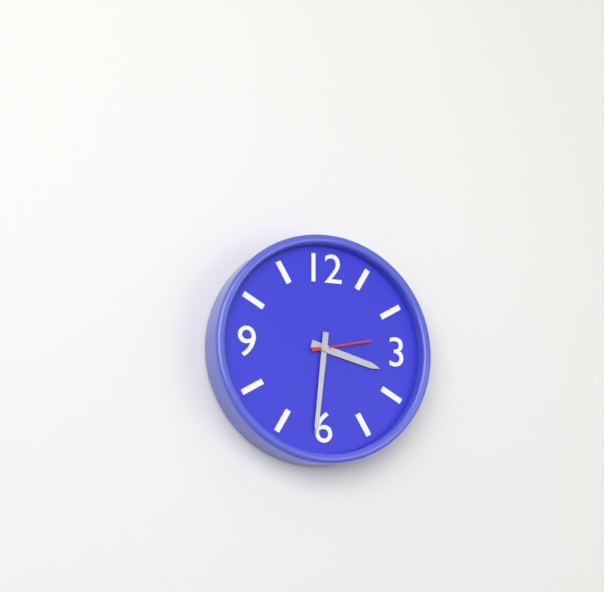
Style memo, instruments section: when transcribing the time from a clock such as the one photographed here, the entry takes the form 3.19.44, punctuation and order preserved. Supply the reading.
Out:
3.31.13
